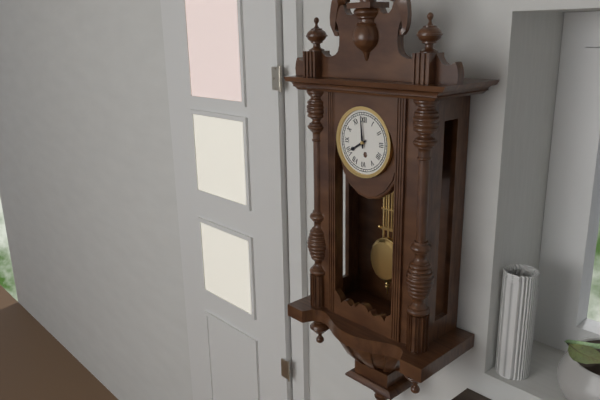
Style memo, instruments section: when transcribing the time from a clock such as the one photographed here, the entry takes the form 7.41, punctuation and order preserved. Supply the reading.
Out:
7.59
